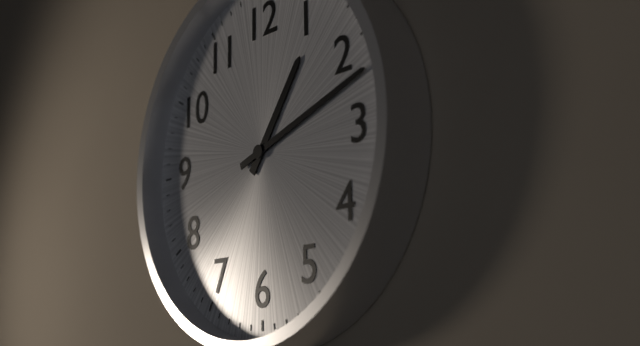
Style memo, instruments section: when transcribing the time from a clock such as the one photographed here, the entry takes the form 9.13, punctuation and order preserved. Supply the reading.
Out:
1.12
